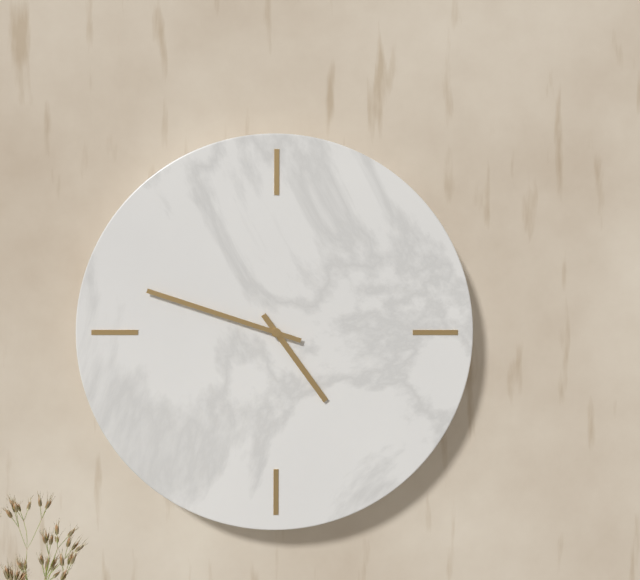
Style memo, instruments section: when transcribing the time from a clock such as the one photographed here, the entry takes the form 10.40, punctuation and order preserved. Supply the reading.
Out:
4.48
